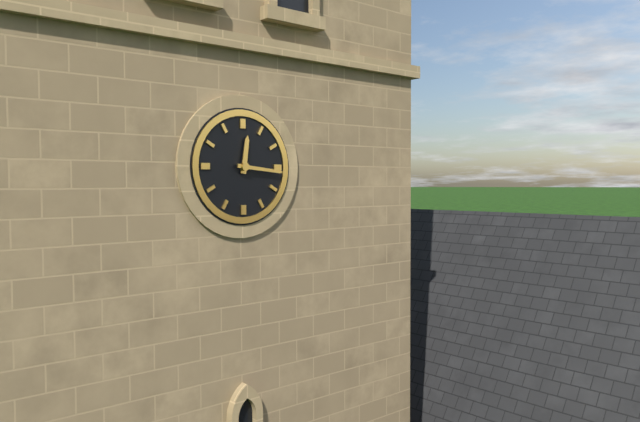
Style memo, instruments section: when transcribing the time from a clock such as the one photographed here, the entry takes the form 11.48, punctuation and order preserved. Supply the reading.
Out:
12.16
